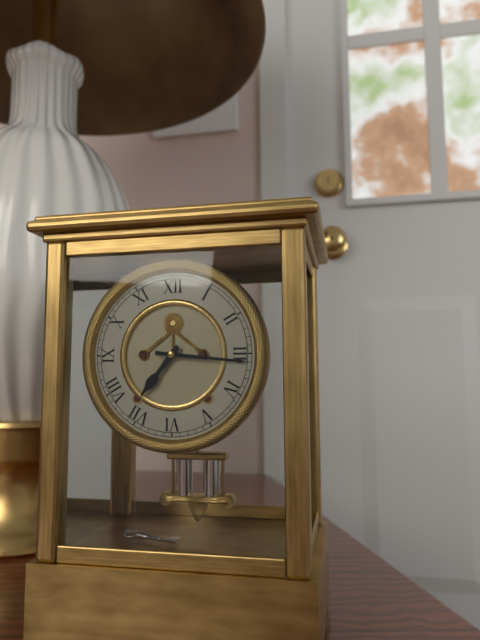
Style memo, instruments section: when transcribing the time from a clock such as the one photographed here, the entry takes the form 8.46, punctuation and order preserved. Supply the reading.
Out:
7.16
